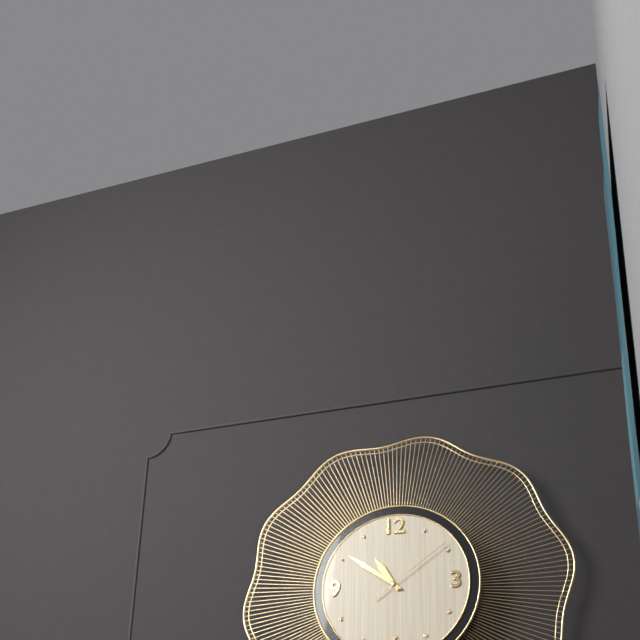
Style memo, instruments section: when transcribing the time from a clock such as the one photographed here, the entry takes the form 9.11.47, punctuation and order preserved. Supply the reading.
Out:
10.51.09
